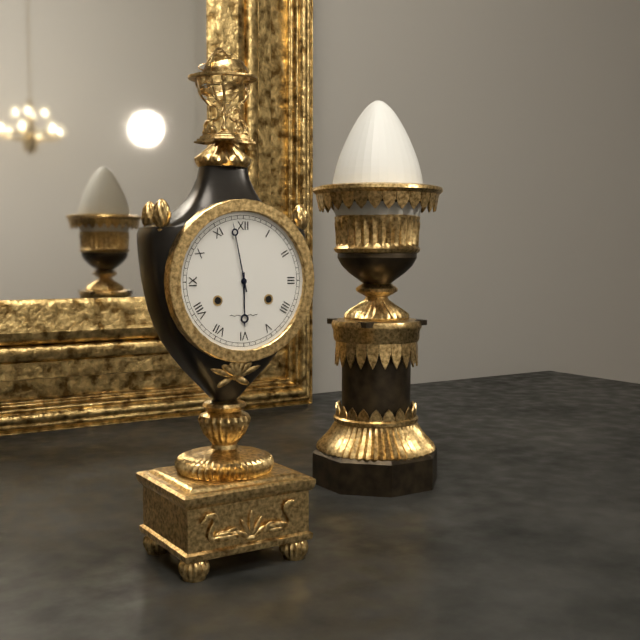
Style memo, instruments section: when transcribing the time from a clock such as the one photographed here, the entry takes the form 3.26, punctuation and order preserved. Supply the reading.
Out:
5.58
